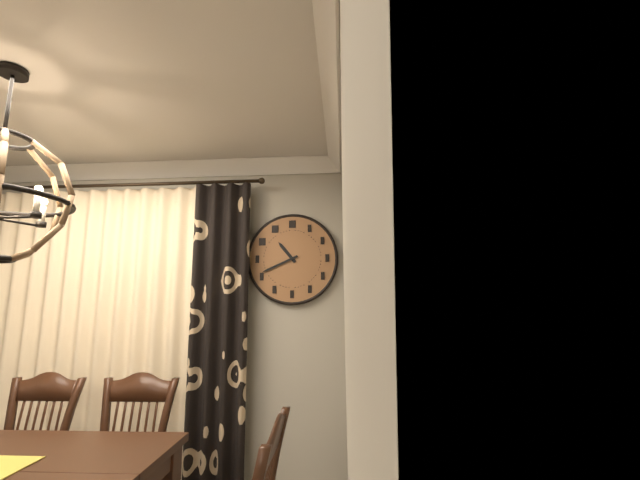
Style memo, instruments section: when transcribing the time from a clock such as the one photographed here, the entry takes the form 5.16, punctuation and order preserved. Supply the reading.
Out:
10.41
